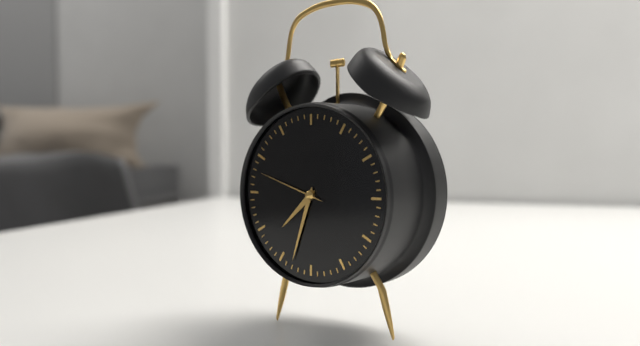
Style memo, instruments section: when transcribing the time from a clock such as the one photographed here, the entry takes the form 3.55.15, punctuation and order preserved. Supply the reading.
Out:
7.33.48
